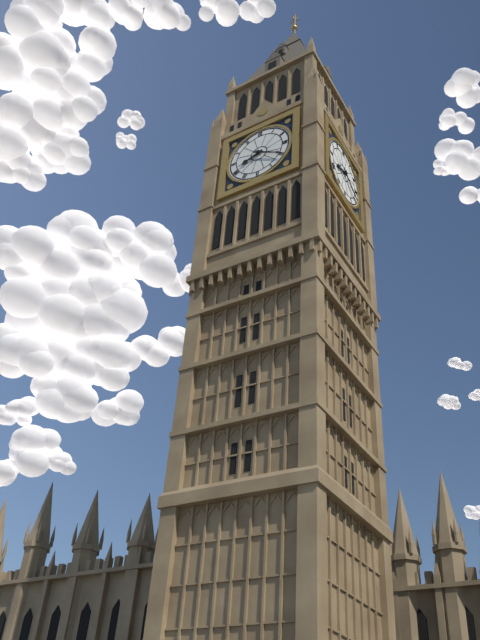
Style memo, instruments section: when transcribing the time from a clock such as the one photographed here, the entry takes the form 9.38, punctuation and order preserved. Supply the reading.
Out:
8.20
